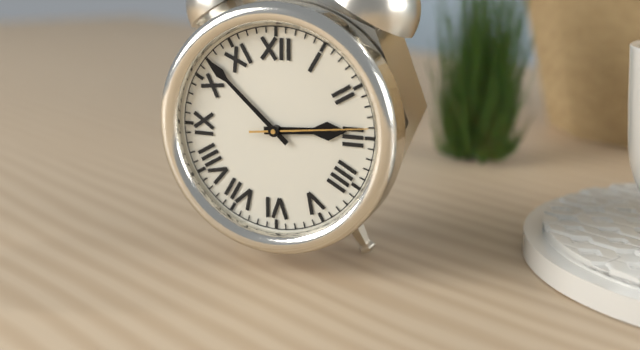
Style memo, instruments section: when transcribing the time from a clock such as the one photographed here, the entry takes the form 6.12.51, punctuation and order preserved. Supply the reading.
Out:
2.52.14
